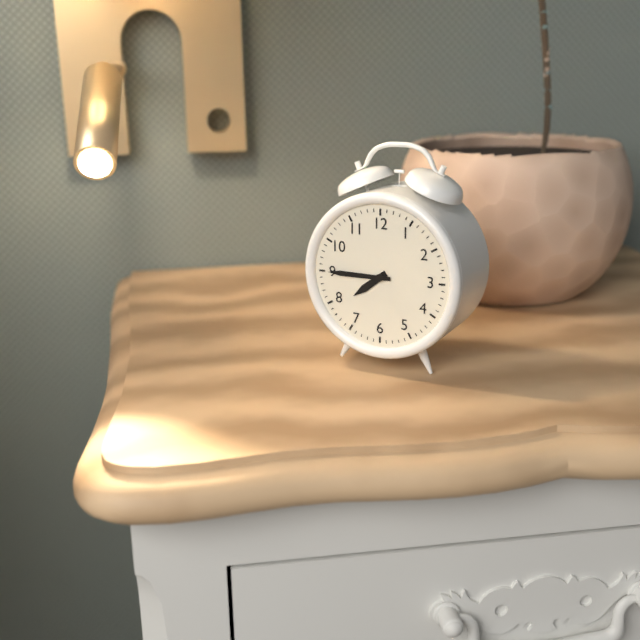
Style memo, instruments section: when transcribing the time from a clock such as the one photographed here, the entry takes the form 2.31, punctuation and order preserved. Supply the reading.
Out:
7.45
